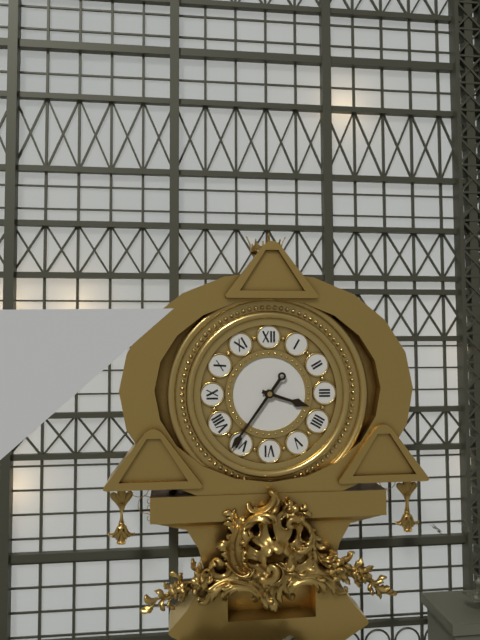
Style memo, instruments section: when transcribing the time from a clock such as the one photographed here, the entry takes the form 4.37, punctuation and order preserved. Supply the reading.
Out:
3.36
